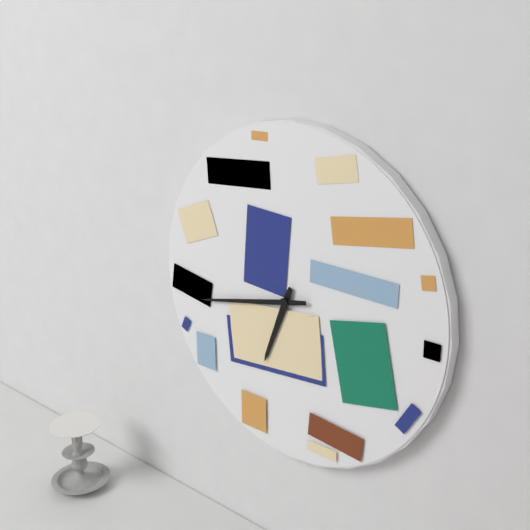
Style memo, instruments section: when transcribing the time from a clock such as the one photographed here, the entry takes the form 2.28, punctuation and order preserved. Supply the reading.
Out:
6.43
